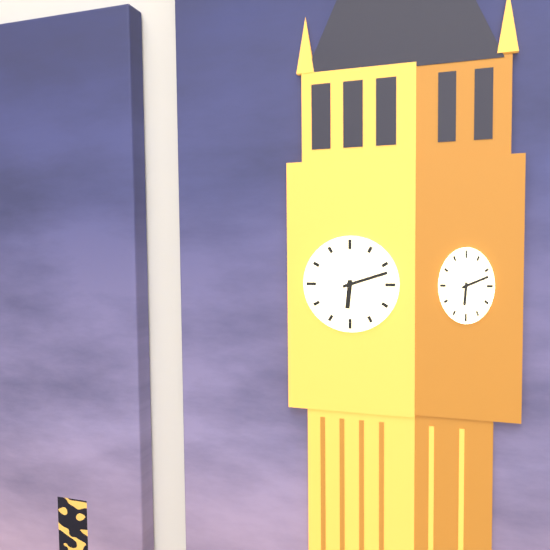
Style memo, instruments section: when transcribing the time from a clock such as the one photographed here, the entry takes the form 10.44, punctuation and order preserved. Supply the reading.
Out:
6.12
